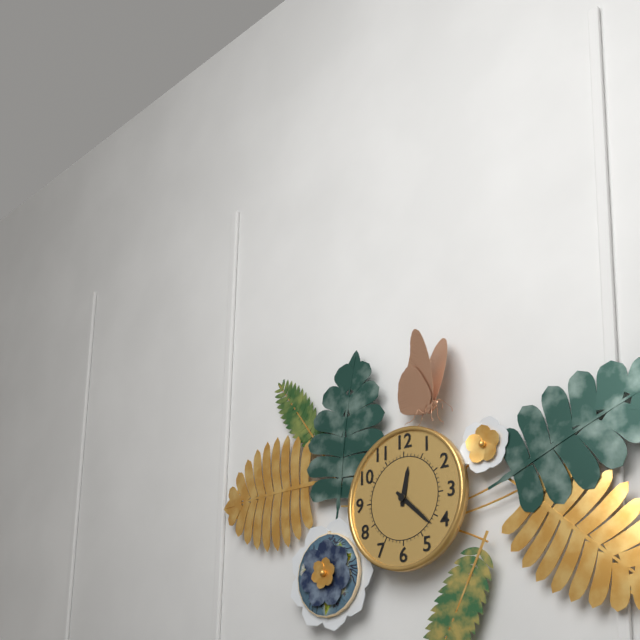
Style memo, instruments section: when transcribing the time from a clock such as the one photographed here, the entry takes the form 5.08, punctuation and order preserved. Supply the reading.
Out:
12.22
